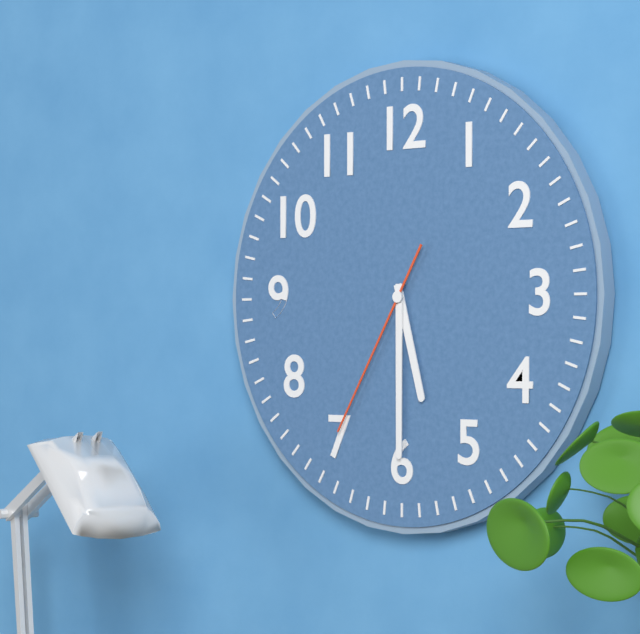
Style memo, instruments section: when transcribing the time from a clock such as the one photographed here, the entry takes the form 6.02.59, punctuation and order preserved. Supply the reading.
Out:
5.30.35
